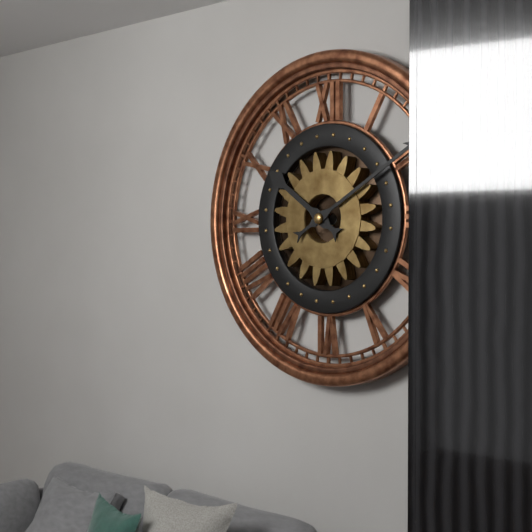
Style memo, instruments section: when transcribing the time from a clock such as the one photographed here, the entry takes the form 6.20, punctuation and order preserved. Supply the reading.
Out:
10.10
